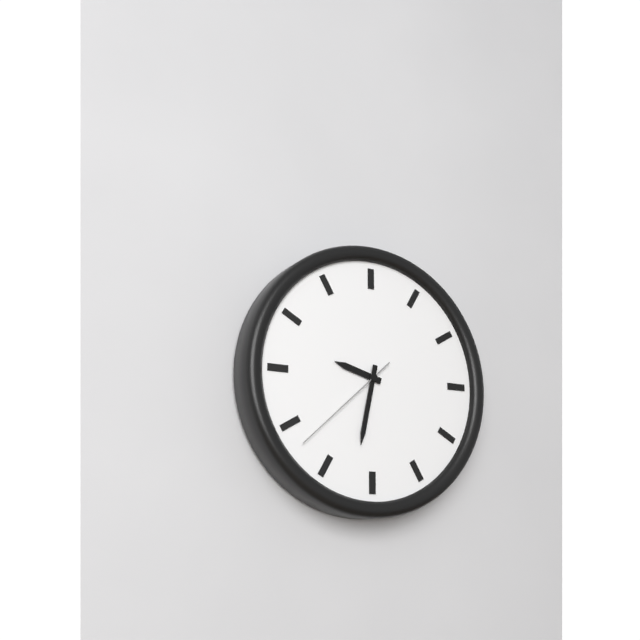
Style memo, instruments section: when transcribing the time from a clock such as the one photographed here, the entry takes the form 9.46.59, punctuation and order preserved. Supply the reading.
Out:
9.32.38
